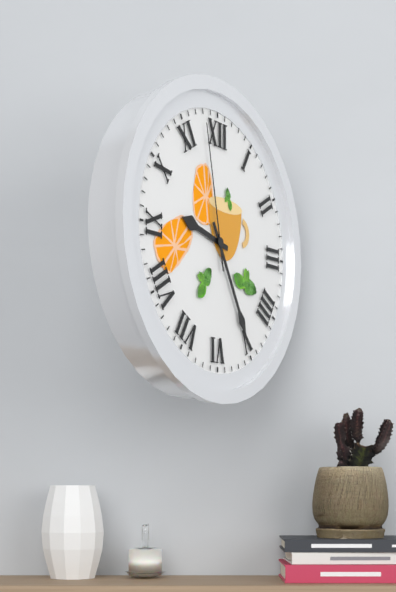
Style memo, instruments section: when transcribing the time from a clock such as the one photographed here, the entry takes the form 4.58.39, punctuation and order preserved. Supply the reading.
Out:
9.25.58
